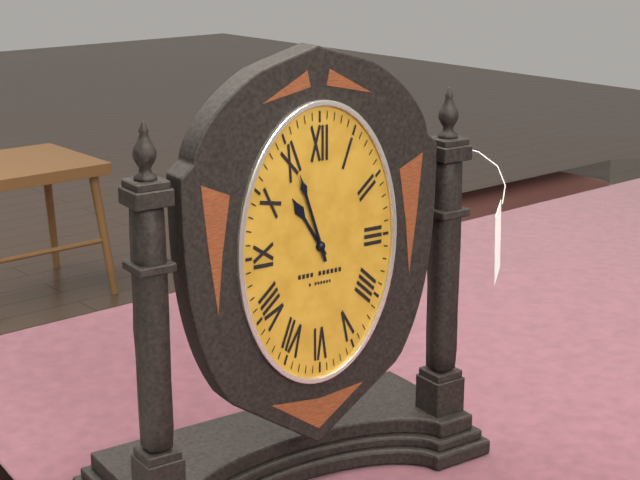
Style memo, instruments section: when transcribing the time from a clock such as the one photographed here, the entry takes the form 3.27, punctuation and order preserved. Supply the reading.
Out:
10.57
